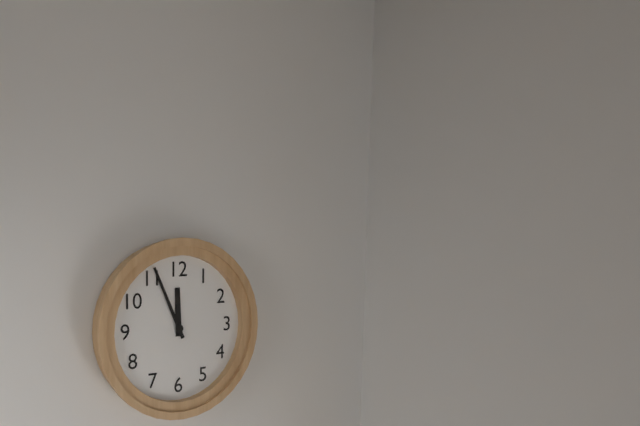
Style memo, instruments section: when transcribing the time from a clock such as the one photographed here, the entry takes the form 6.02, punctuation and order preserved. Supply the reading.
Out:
11.56
